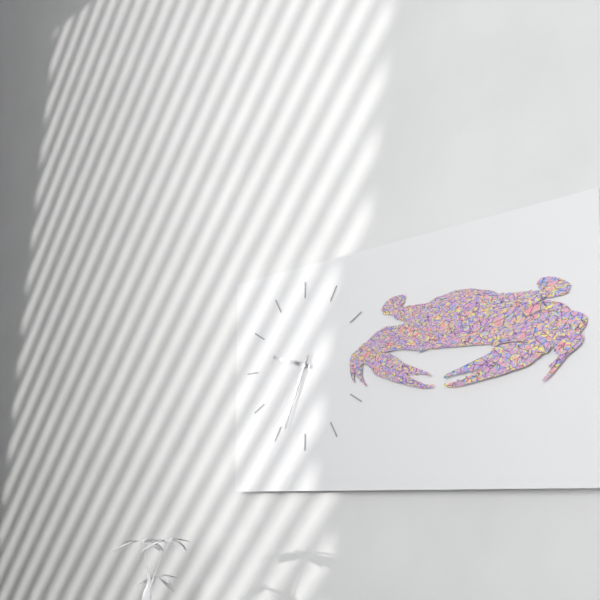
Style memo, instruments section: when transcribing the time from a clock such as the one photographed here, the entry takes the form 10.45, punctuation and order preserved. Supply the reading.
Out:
9.34
